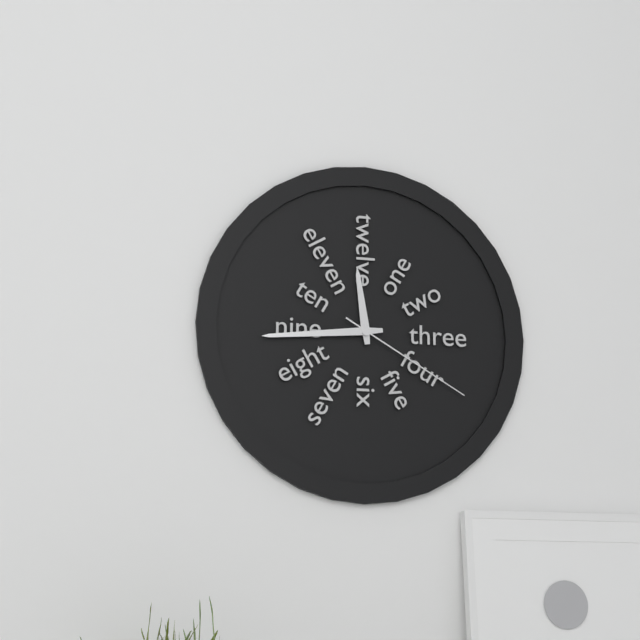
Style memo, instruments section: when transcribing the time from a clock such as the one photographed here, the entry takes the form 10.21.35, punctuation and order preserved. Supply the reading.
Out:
11.44.20
